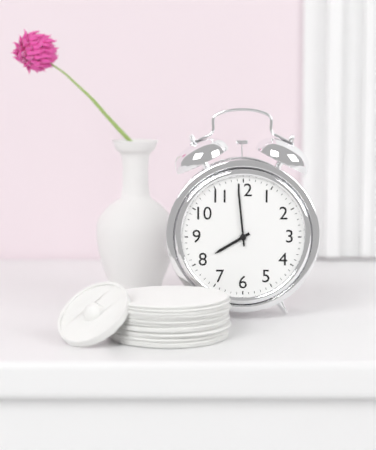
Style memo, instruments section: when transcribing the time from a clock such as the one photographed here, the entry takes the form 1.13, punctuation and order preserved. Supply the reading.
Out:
7.59
